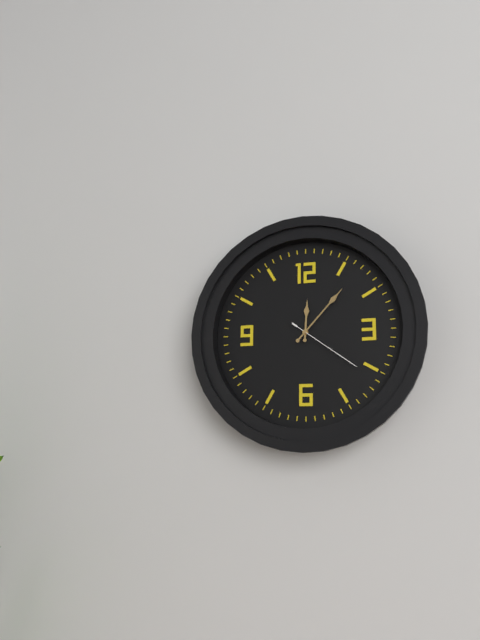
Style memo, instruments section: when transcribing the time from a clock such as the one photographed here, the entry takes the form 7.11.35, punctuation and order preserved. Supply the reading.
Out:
12.07.21
